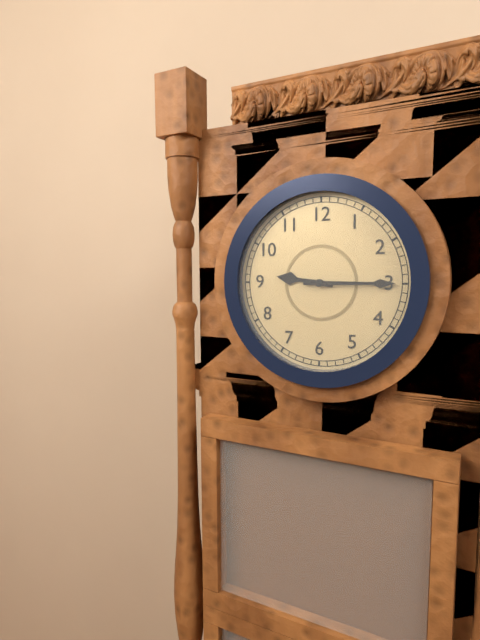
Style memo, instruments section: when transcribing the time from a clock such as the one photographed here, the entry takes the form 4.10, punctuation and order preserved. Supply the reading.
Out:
9.15
